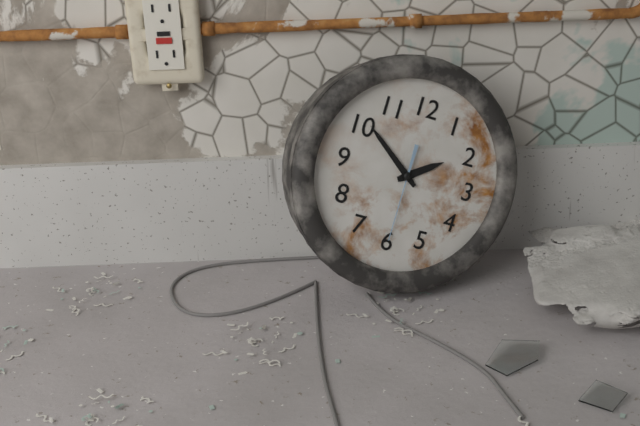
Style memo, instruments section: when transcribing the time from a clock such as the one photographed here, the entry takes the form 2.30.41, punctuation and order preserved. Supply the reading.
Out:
1.51.30
